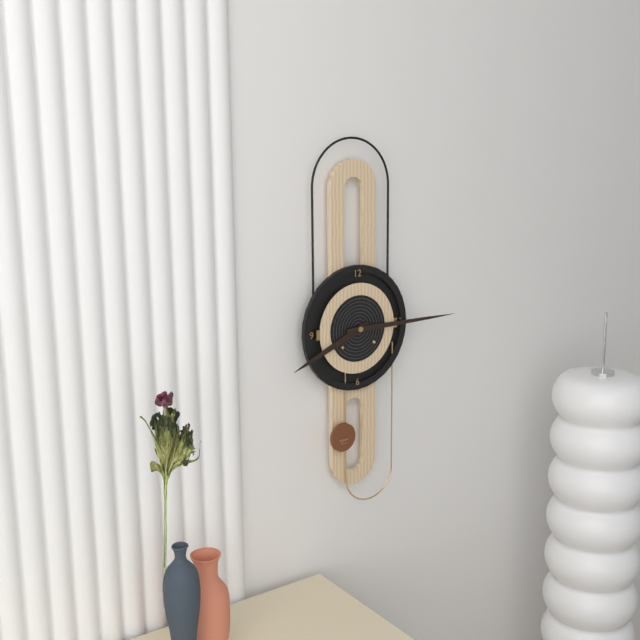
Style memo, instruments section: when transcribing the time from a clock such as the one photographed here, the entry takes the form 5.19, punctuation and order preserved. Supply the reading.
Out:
8.15
